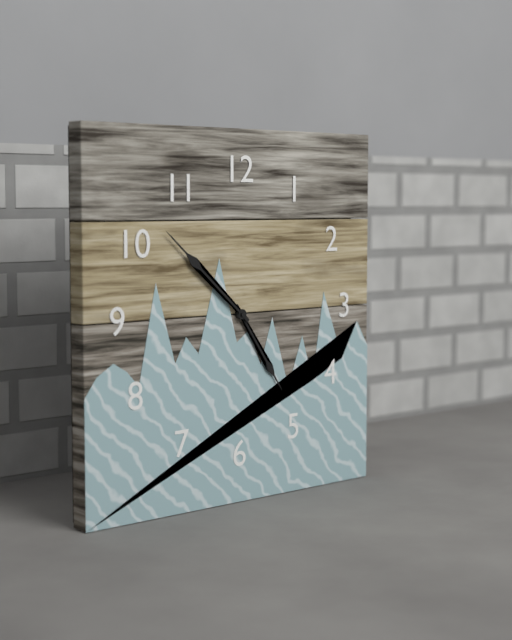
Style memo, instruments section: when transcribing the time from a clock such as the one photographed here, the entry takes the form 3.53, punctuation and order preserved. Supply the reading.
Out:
4.52
